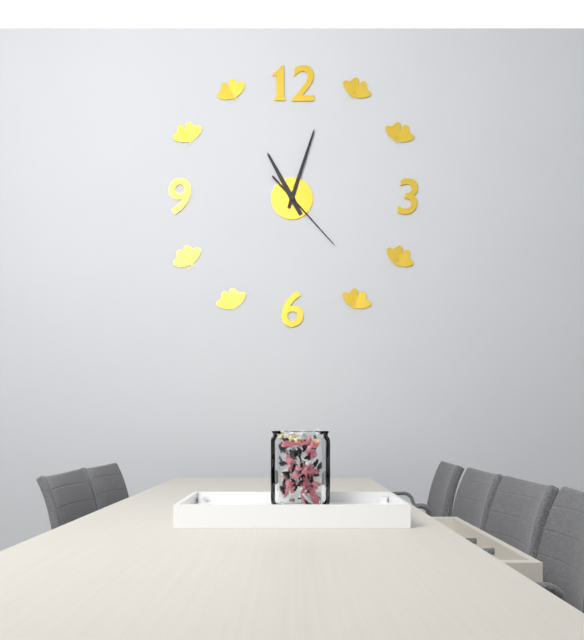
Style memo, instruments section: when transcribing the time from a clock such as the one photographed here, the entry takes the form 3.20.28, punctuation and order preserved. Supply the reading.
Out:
11.03.23
